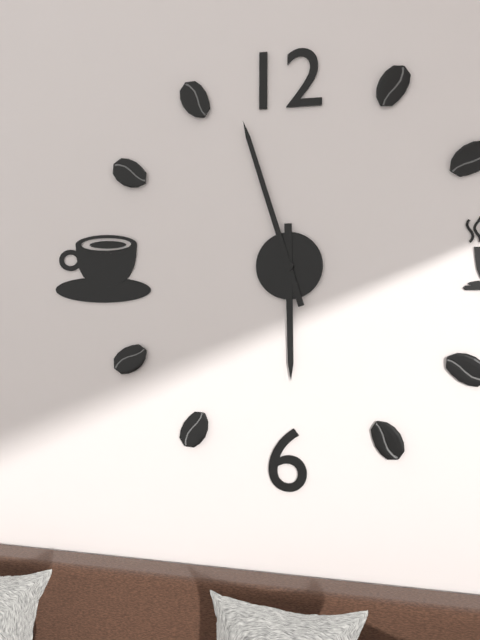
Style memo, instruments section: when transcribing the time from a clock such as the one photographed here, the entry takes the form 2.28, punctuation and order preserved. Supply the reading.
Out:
5.57
